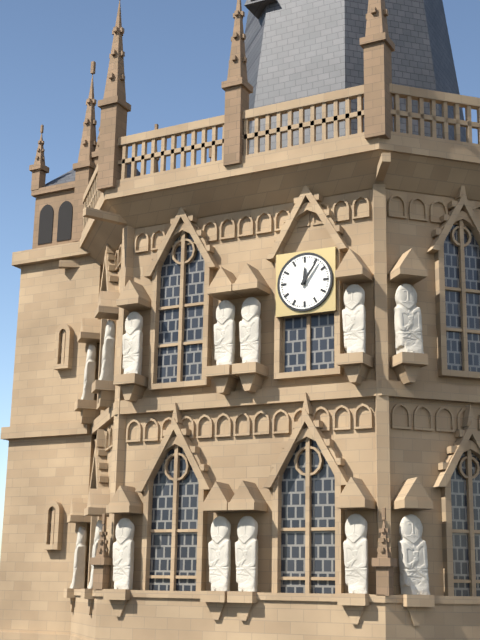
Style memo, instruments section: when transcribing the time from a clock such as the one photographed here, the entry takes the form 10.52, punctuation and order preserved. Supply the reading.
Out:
12.06
